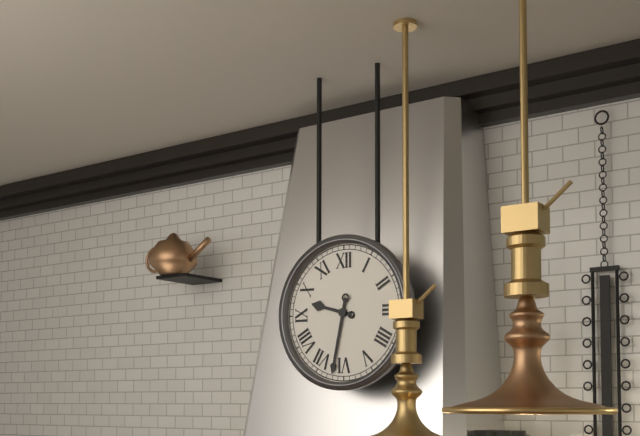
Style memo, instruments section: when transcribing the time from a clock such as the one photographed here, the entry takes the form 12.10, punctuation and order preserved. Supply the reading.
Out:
9.32
